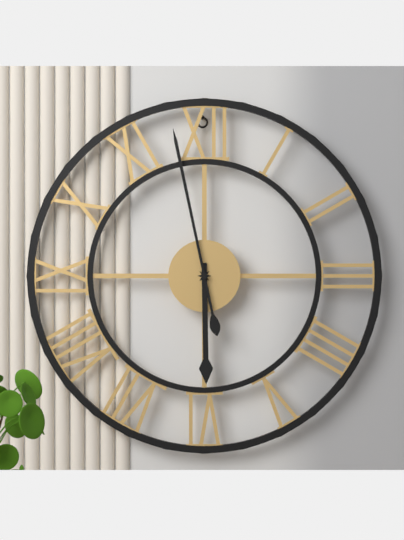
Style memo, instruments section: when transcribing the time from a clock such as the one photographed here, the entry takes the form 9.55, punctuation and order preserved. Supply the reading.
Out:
5.58
